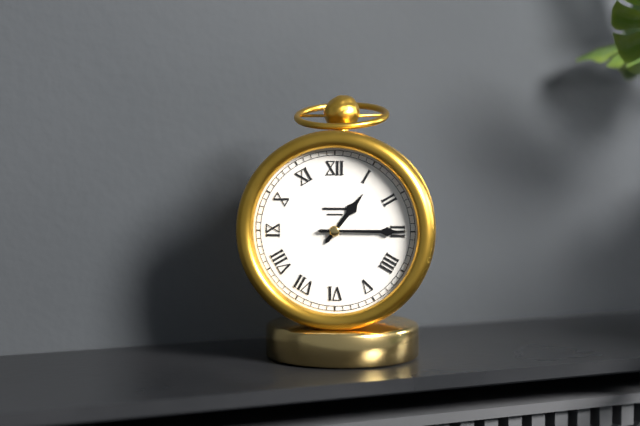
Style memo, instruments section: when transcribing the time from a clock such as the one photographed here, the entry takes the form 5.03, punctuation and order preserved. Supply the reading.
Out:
1.15
